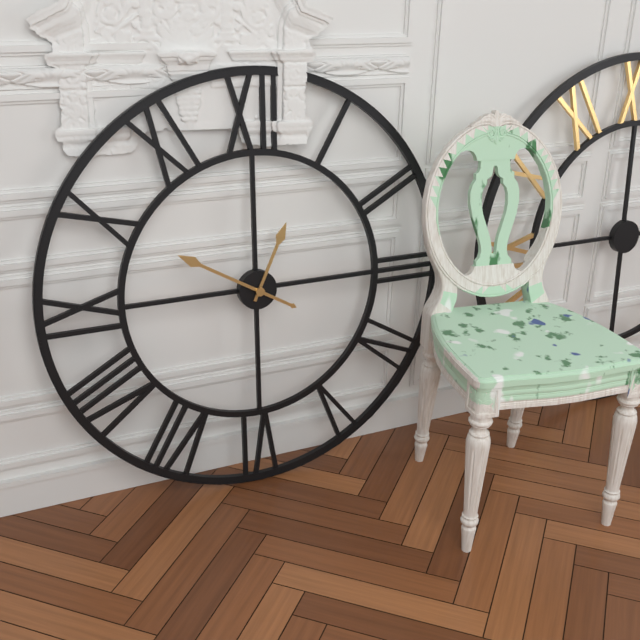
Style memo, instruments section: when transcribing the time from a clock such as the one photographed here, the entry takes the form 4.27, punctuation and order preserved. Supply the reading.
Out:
12.50
